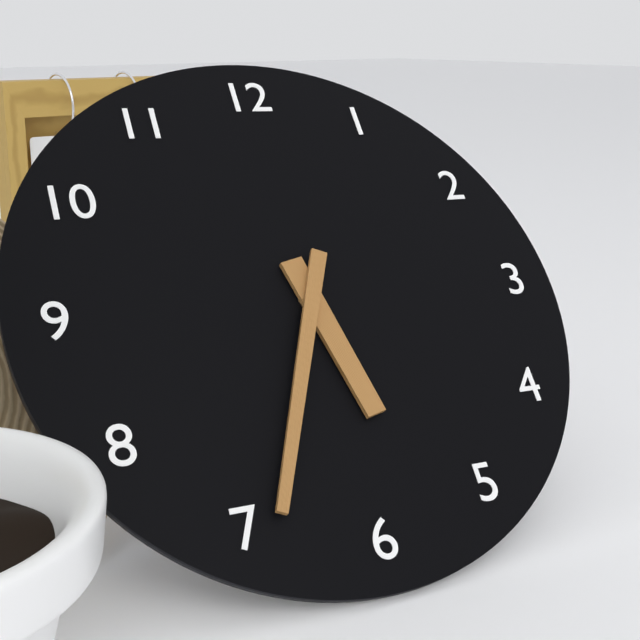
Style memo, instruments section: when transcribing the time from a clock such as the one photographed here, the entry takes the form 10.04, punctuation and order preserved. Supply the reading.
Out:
5.34
